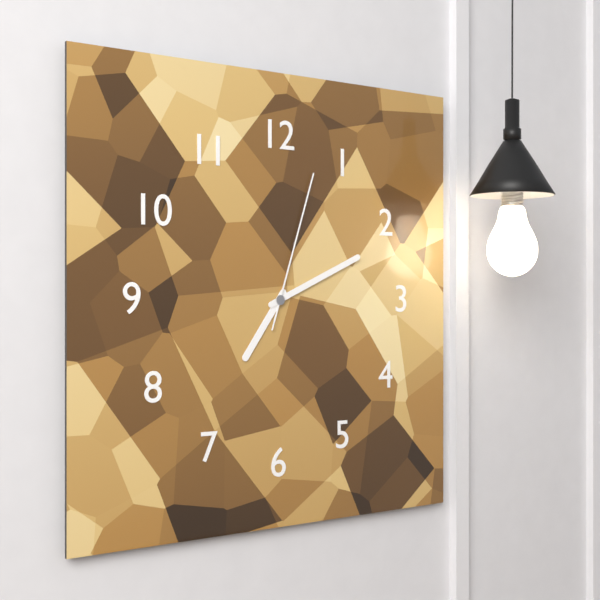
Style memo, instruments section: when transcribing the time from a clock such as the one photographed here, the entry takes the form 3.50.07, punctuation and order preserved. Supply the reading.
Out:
7.11.03
